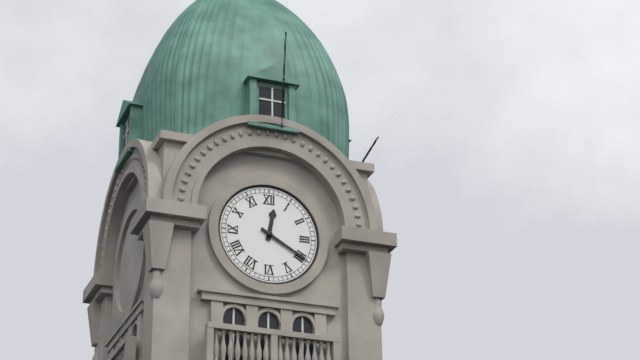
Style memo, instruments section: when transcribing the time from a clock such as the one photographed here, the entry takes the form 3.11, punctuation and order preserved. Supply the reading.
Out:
12.20
